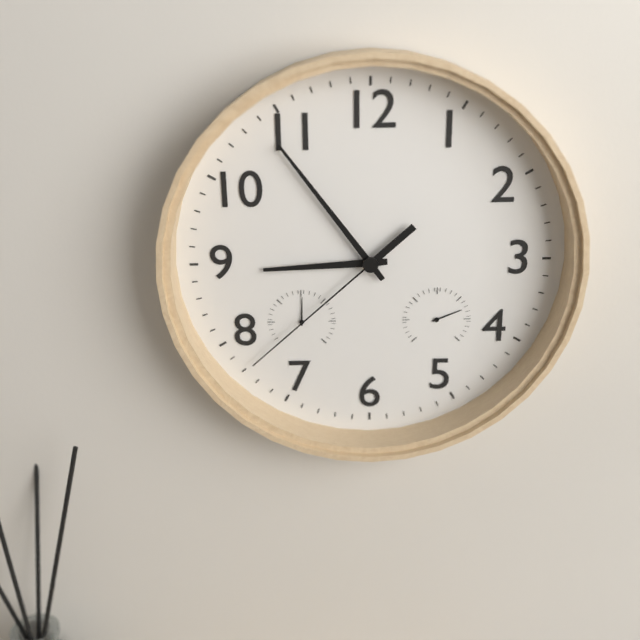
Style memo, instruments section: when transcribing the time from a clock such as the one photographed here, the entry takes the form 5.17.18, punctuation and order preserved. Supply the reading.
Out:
8.54.38
